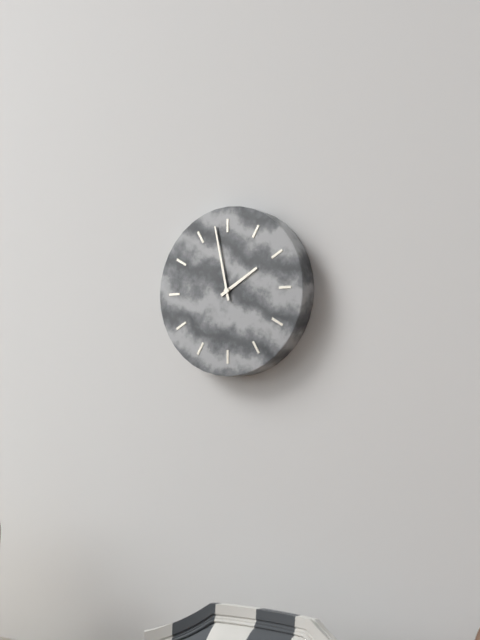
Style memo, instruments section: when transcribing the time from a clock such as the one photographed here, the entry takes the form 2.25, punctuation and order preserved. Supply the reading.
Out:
1.58
